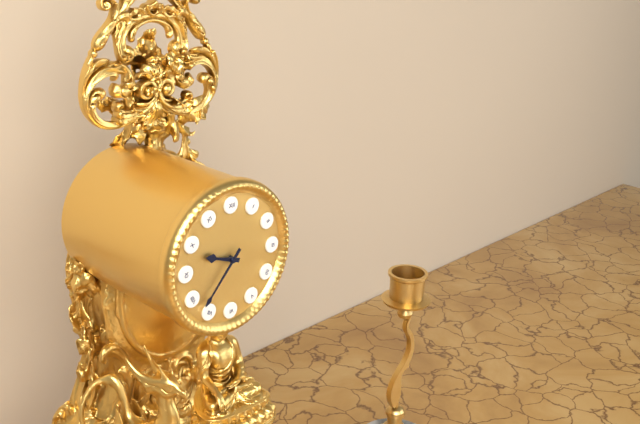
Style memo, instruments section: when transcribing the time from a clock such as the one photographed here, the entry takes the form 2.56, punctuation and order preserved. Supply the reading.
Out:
9.37
